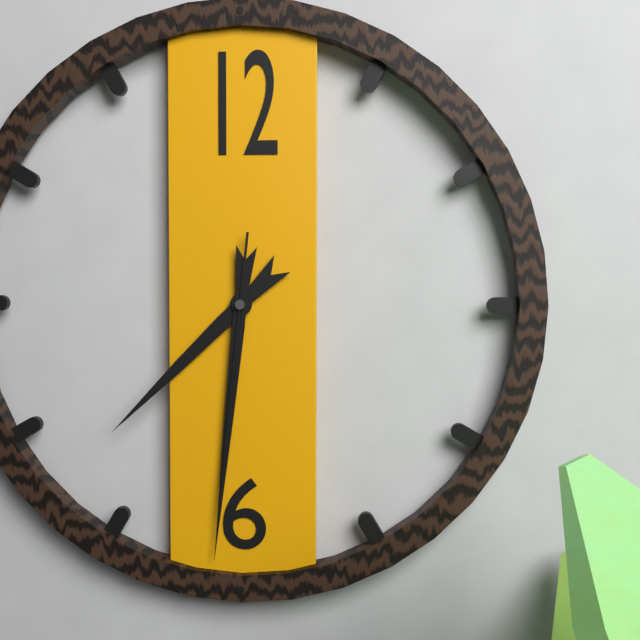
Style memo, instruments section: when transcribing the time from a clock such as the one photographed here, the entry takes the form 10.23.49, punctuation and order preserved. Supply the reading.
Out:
7.31.31
